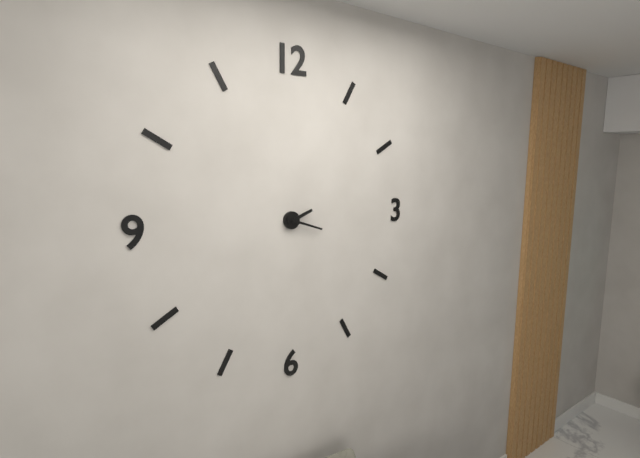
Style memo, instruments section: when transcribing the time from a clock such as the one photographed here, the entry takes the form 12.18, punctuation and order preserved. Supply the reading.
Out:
2.18
